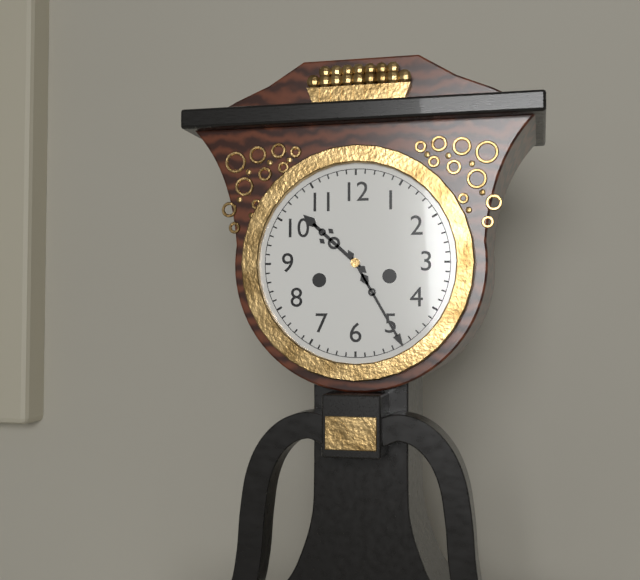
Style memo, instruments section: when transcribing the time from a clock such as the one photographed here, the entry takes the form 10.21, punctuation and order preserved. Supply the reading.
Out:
10.25
